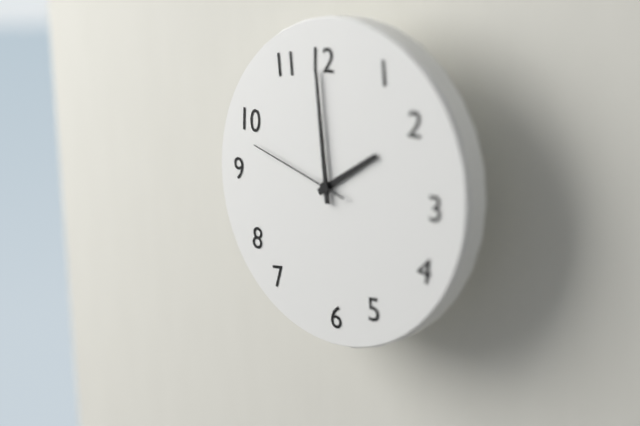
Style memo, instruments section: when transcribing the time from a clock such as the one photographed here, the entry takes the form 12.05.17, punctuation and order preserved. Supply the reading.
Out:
1.59.48
